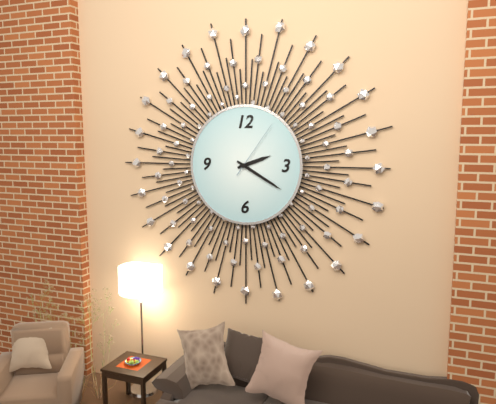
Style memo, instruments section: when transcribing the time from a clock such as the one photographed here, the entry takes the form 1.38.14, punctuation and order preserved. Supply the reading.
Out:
2.20.06
